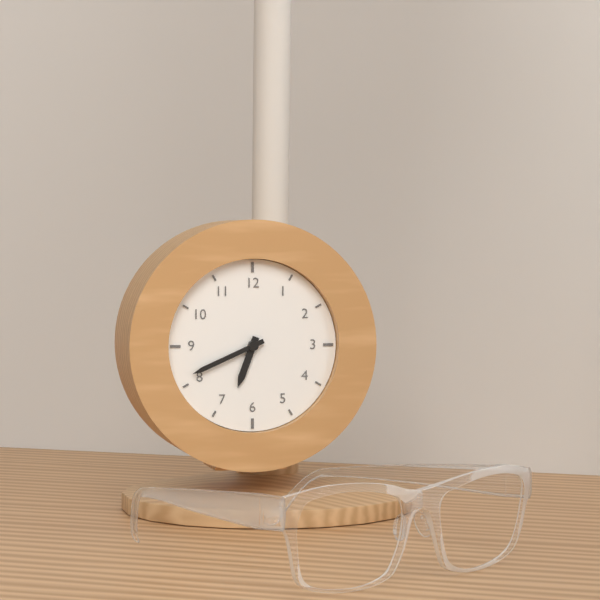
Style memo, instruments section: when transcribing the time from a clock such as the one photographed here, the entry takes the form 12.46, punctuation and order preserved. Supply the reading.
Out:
6.41
